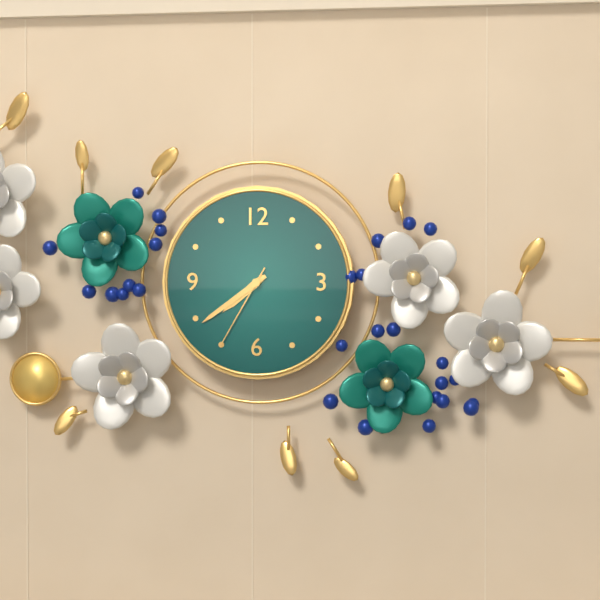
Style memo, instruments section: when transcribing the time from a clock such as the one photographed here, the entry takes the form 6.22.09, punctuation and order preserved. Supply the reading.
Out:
7.39.35
